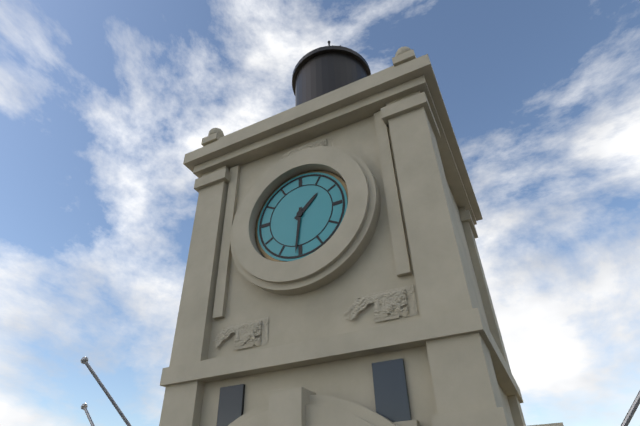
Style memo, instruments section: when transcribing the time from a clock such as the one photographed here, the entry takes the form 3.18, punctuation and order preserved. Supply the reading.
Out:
1.31
